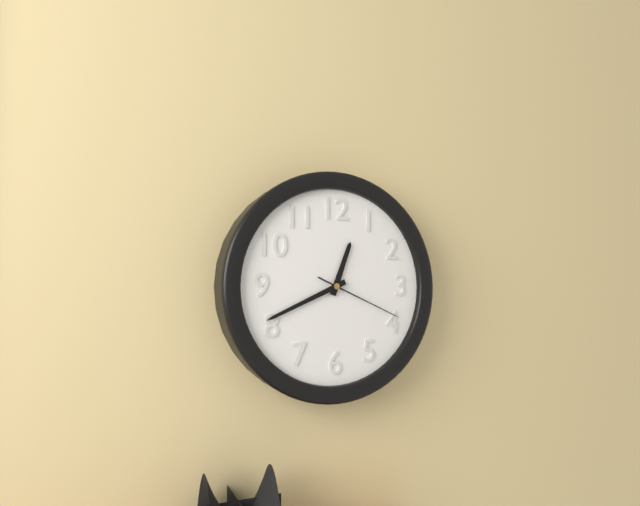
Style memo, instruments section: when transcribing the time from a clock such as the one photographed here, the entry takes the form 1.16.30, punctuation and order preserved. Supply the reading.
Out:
12.41.19
